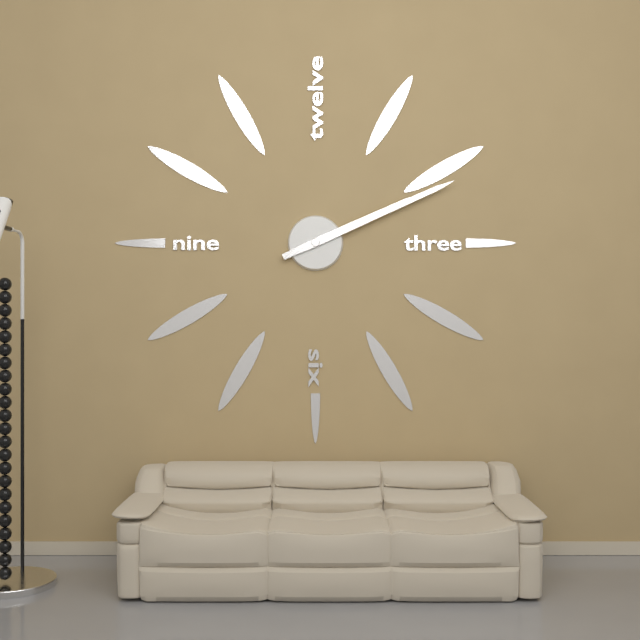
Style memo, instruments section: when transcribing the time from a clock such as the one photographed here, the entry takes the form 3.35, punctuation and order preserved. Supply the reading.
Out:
2.11
